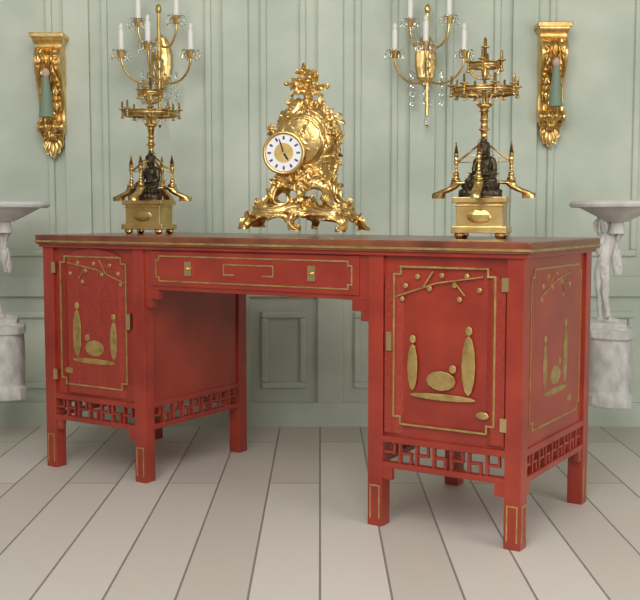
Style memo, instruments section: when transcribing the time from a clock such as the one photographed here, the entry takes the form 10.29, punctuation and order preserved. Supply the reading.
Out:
4.57
